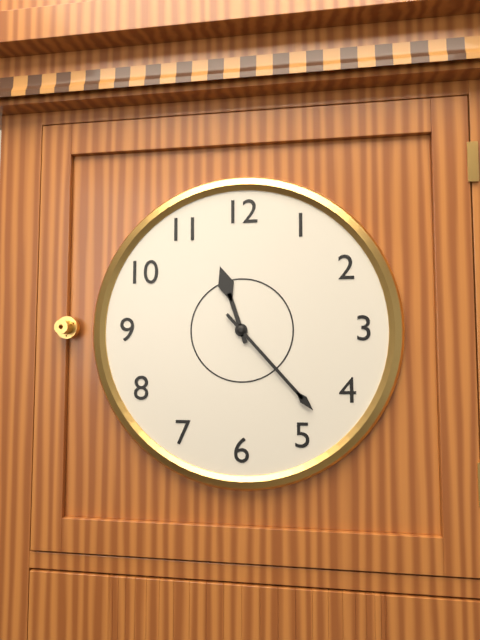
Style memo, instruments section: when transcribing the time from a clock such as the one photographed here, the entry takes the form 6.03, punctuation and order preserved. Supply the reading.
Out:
11.23
